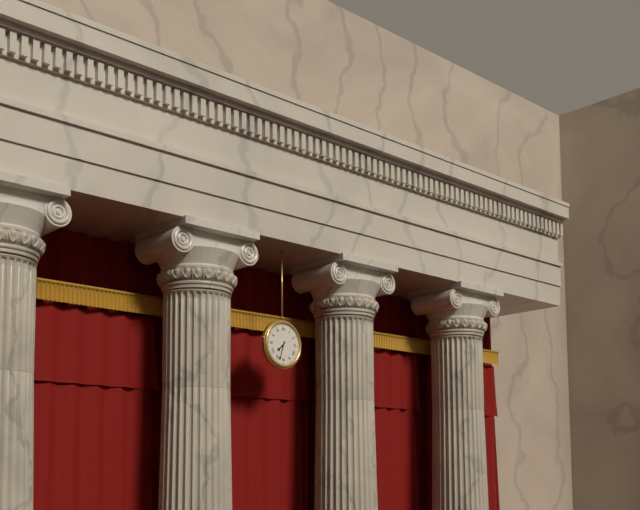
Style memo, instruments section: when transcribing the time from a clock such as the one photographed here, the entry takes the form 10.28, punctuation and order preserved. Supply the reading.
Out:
7.33
